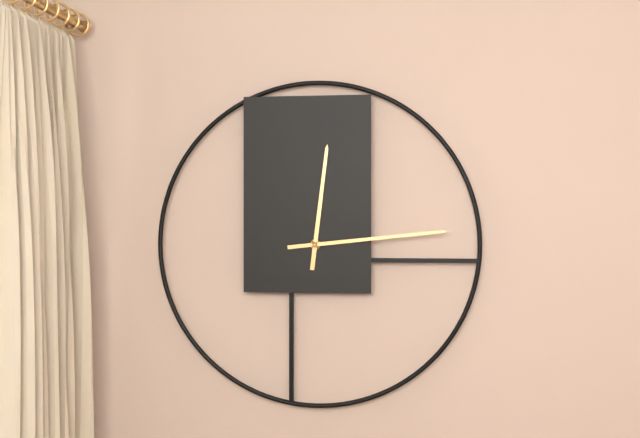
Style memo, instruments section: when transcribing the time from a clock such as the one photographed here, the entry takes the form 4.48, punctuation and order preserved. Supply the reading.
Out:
12.14
